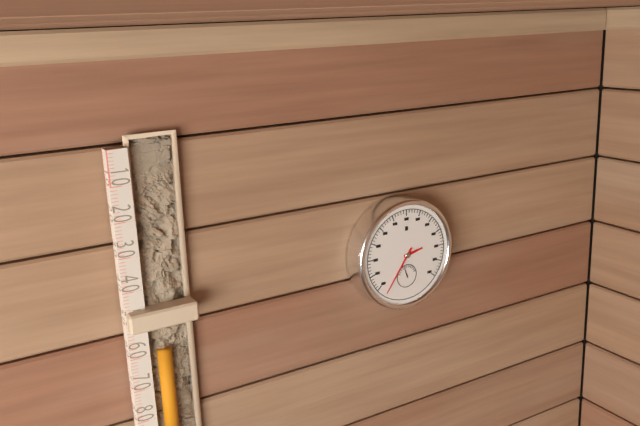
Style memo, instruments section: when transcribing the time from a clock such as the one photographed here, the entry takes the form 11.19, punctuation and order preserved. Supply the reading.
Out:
2.36
